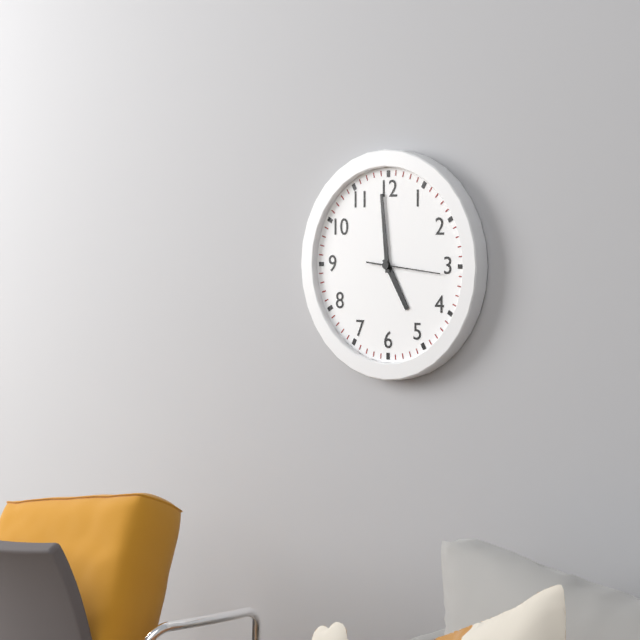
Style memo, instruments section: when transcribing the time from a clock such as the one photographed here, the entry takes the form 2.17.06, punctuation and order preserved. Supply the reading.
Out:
4.59.16
